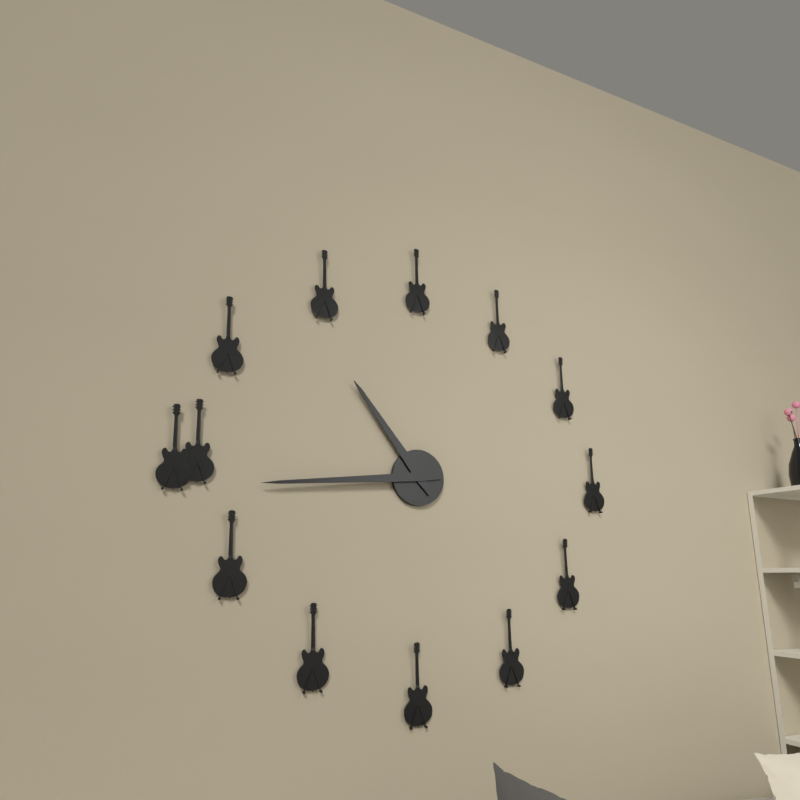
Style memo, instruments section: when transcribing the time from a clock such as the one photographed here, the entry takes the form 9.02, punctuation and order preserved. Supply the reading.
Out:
10.44
